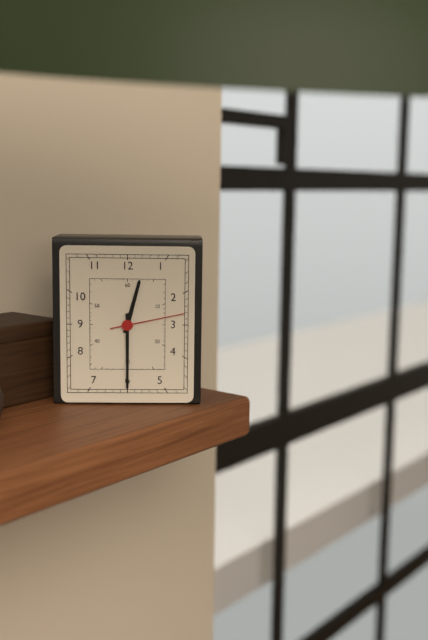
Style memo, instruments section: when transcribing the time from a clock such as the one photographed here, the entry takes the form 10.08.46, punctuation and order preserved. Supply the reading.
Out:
12.30.13
